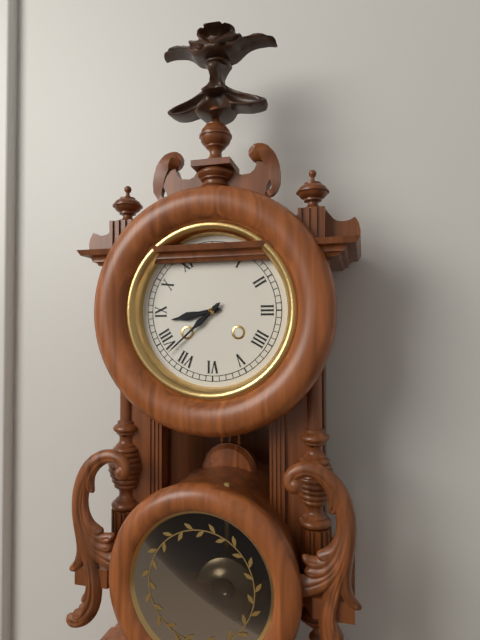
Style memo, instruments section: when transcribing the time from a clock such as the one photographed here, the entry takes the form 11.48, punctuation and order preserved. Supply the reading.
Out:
8.38
